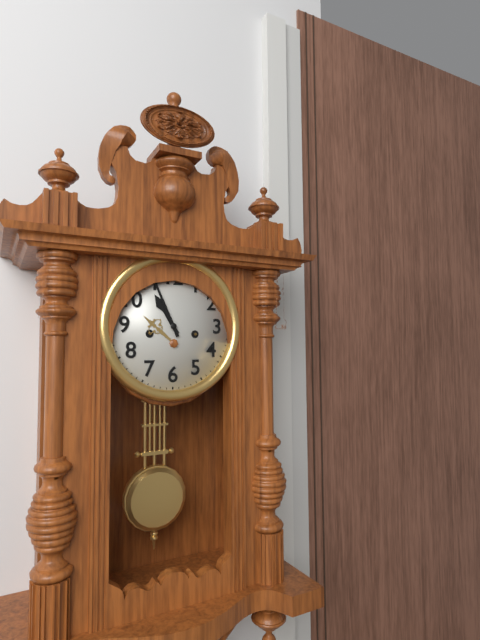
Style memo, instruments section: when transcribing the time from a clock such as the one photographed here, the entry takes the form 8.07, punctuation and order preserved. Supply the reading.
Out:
10.56
